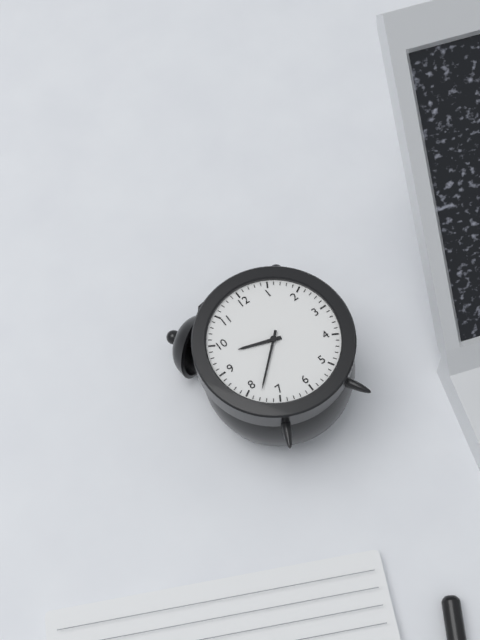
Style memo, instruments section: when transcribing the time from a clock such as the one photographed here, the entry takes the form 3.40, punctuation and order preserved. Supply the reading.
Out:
9.38
